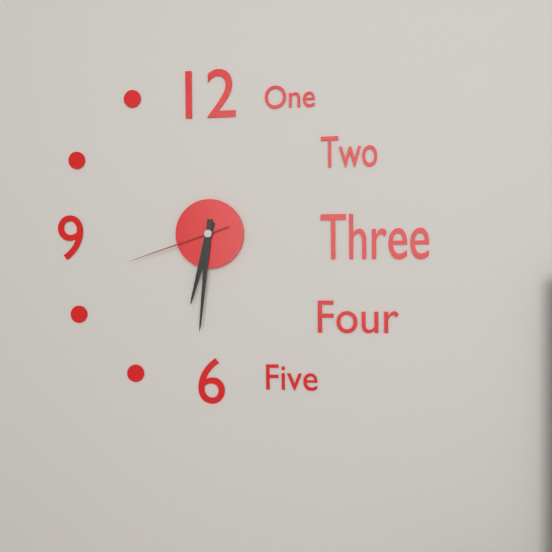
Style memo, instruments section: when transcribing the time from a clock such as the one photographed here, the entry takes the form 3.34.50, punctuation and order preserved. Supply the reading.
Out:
6.31.42
